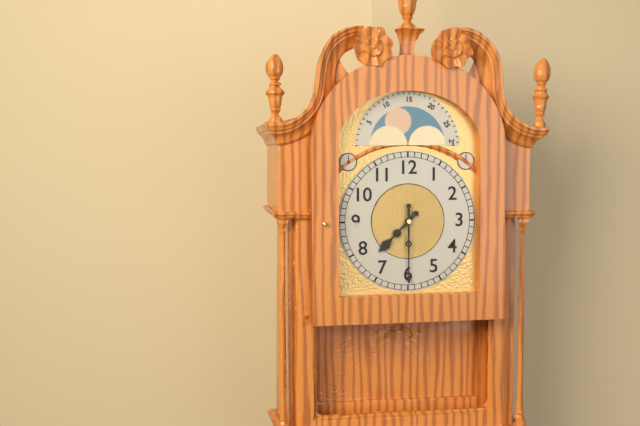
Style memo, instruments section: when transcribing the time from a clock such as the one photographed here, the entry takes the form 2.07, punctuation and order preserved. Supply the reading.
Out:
7.30
